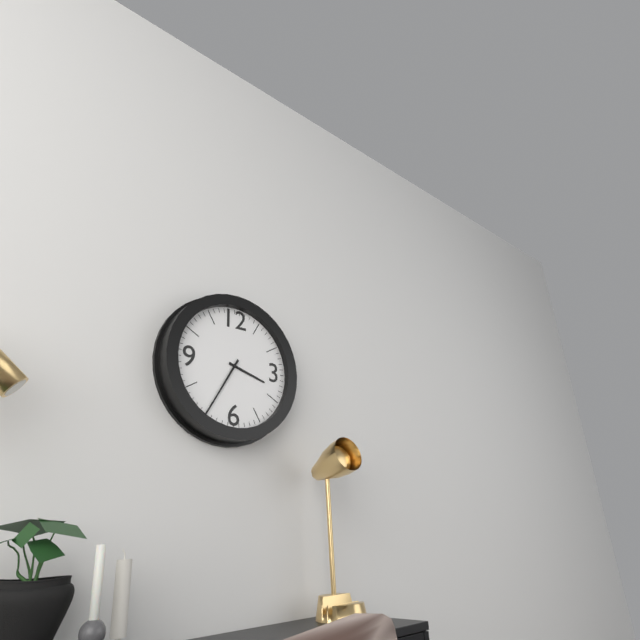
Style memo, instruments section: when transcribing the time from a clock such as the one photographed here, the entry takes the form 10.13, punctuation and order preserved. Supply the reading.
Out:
3.35
